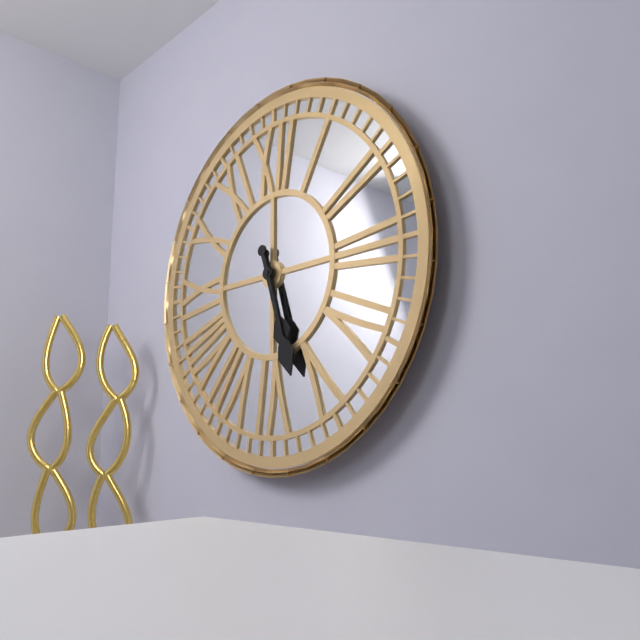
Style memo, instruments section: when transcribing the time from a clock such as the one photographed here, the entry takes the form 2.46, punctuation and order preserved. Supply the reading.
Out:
5.27
